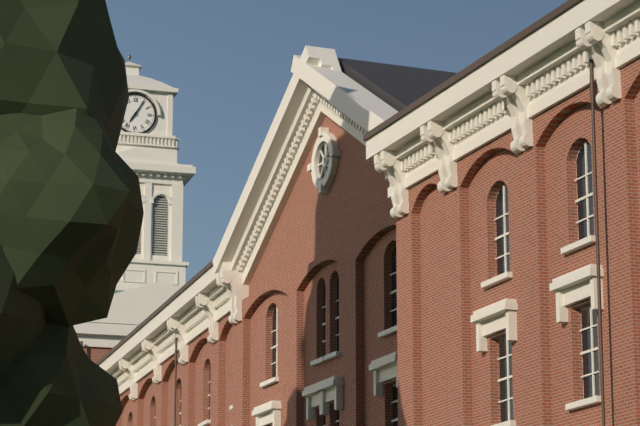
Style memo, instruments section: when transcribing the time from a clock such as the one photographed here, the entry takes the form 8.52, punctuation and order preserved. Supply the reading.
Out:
7.05
